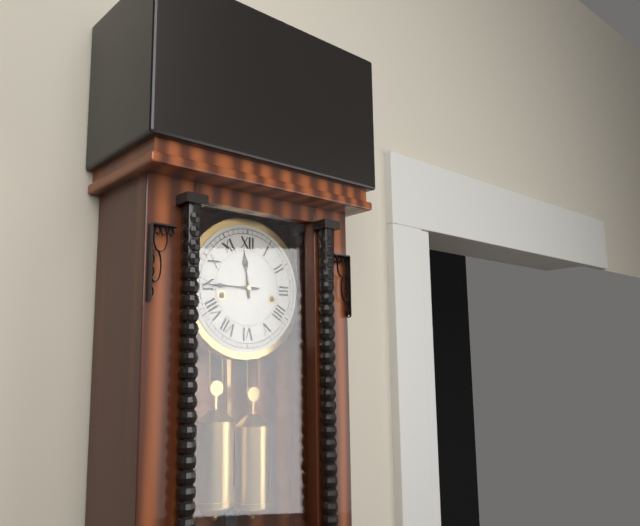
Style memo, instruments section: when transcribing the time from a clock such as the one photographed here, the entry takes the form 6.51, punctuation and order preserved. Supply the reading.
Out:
11.45
